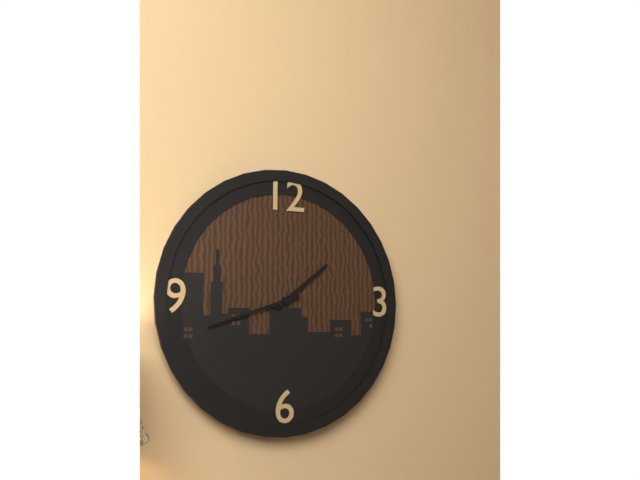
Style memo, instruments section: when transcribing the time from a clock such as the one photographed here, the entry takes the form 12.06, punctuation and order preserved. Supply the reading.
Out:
1.42
